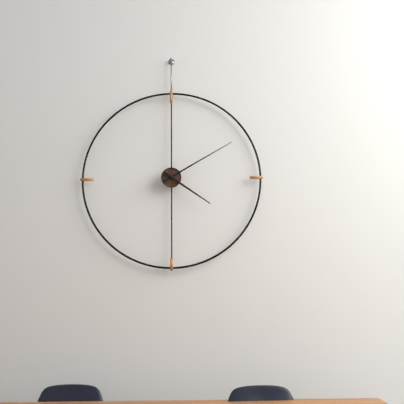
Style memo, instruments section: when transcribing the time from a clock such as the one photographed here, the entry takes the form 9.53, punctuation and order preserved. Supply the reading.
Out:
4.10
